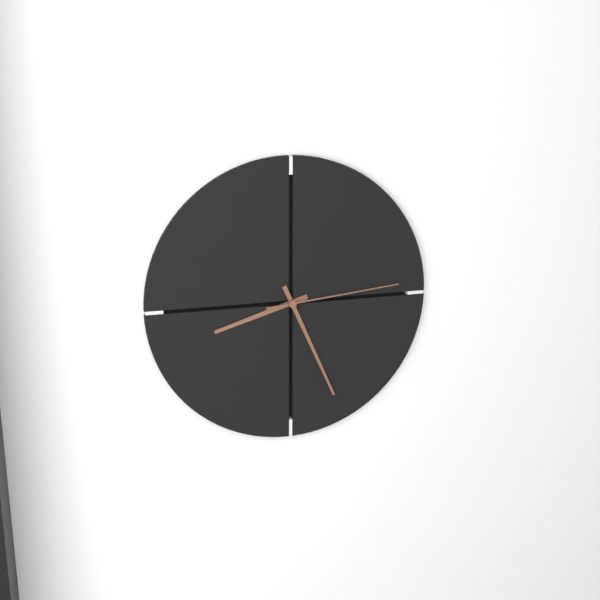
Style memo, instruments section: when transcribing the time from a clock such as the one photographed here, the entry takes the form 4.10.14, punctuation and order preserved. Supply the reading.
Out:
8.26.14
